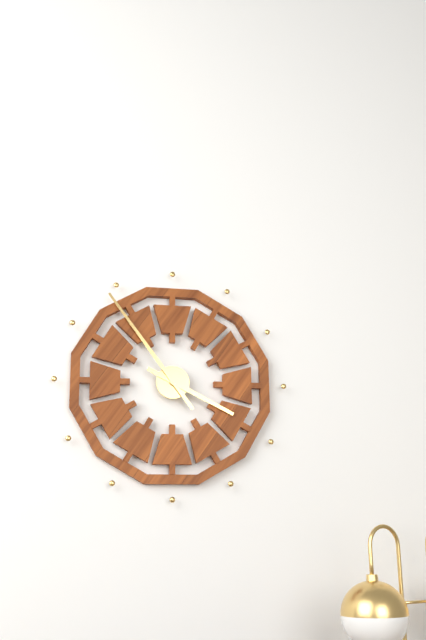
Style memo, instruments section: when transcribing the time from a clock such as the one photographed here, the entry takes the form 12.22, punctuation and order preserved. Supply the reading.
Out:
3.54
